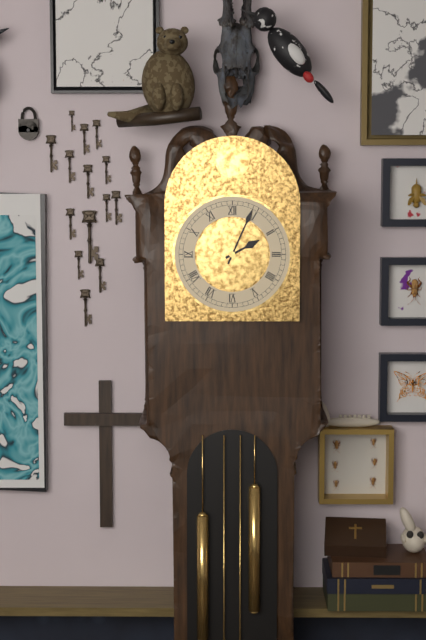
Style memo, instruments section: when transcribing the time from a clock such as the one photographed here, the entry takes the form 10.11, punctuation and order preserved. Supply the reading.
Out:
2.04
